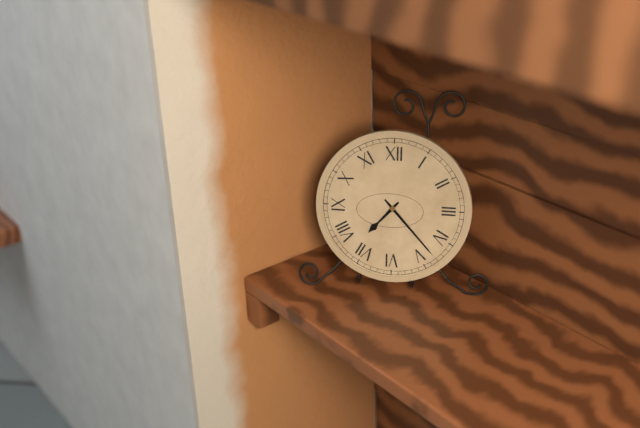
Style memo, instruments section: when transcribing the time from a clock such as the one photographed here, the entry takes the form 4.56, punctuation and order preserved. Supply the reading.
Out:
7.23
